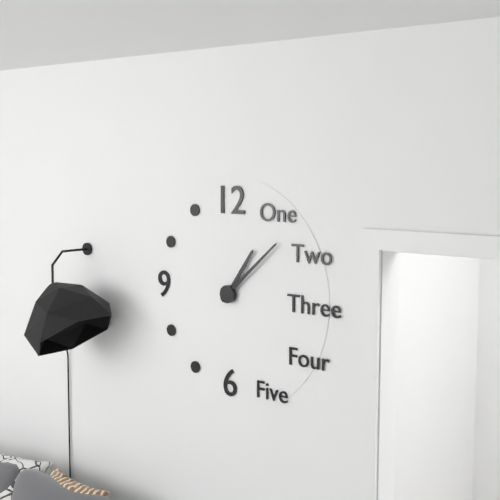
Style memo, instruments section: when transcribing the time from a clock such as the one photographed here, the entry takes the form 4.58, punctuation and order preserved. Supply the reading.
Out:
1.08
